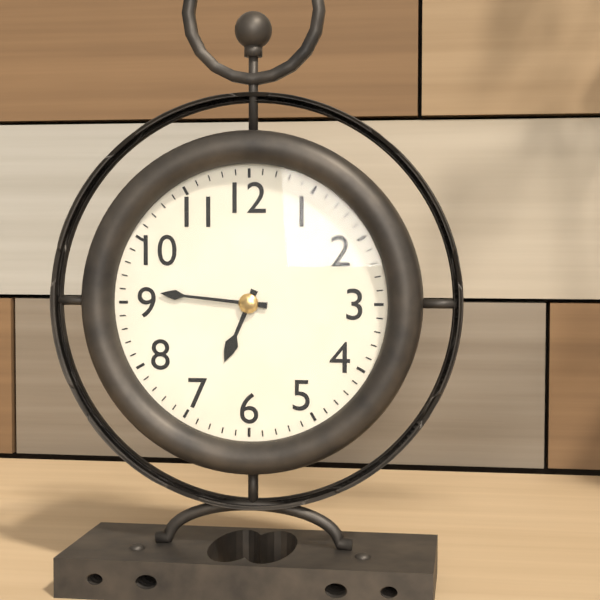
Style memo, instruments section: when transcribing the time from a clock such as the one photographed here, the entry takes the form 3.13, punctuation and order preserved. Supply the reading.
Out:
6.46
